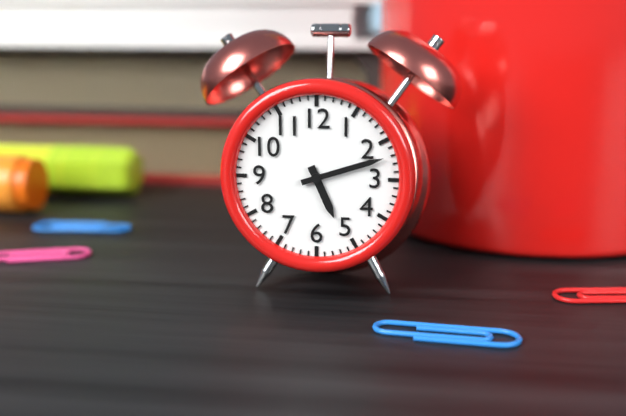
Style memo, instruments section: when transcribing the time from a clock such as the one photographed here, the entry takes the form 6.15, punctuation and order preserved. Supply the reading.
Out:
5.12
